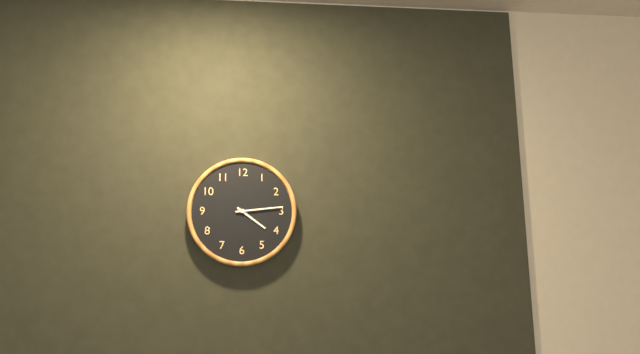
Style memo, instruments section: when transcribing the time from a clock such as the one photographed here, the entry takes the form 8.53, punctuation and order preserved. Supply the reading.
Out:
4.14
